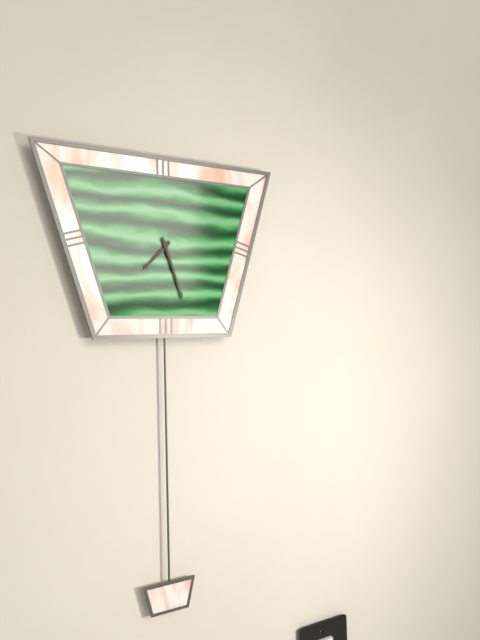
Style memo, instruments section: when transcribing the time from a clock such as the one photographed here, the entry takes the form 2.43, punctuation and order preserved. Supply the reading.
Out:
7.27
